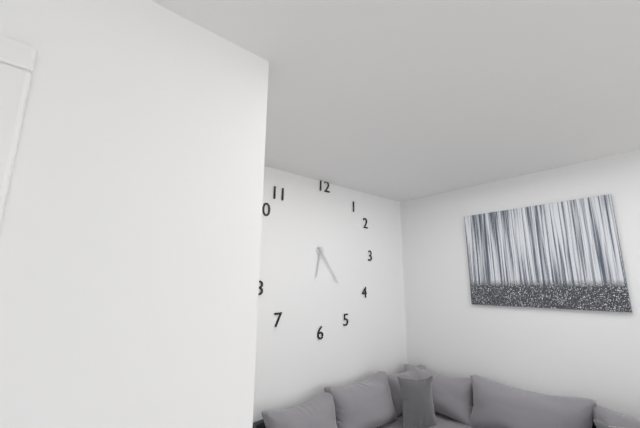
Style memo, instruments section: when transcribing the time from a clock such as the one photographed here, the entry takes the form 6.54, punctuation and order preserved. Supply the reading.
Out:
6.24
